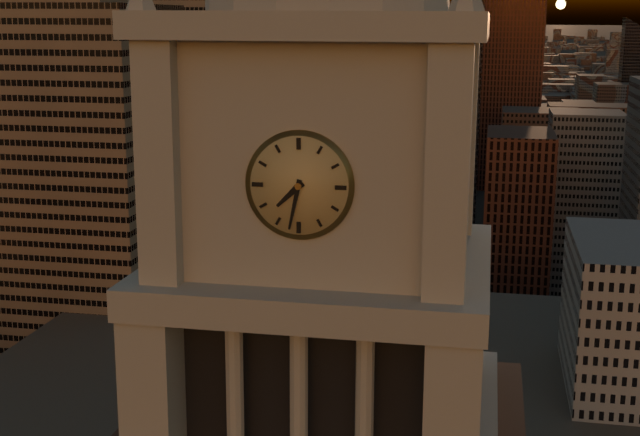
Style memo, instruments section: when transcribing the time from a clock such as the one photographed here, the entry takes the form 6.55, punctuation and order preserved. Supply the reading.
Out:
7.32
